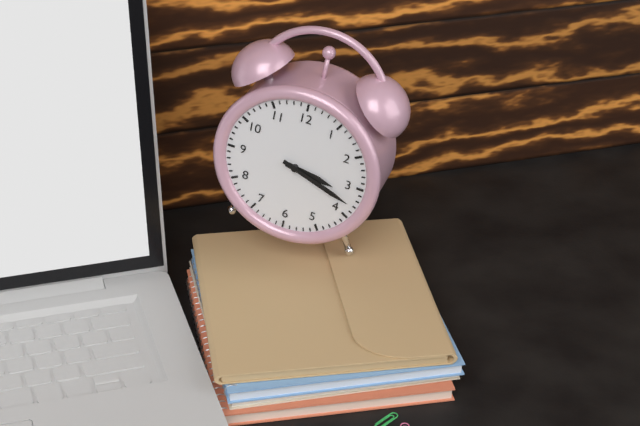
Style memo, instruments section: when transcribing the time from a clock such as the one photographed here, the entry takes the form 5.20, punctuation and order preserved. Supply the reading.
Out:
3.18
